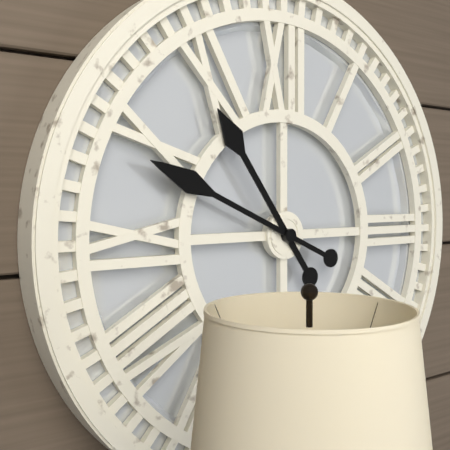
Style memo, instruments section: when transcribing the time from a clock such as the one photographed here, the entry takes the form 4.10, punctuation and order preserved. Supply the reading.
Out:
10.49
